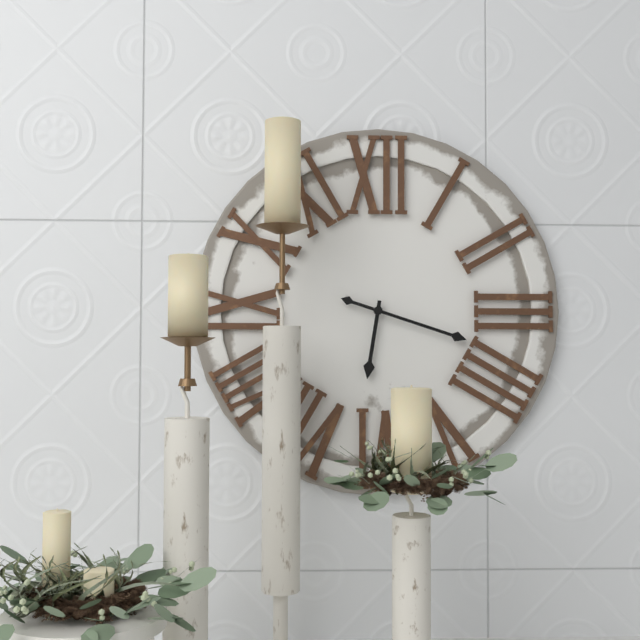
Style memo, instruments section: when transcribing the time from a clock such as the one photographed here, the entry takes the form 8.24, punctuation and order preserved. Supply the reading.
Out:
6.18
